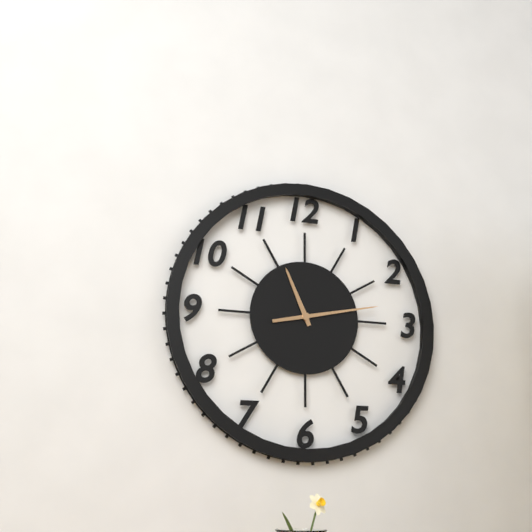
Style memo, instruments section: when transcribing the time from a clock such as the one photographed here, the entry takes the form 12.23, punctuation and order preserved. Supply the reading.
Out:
11.13
